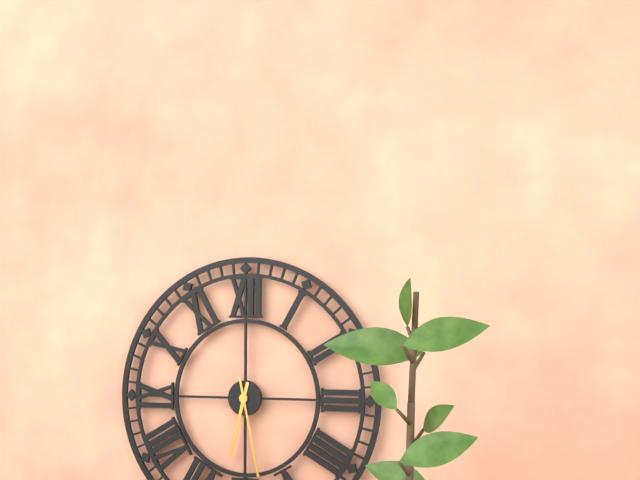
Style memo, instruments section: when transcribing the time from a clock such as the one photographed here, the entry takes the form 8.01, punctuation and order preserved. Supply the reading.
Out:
6.28
